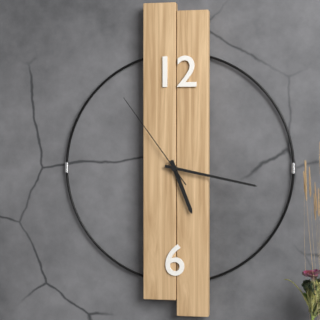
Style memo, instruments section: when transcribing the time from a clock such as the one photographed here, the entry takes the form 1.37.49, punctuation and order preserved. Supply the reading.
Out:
5.17.54
